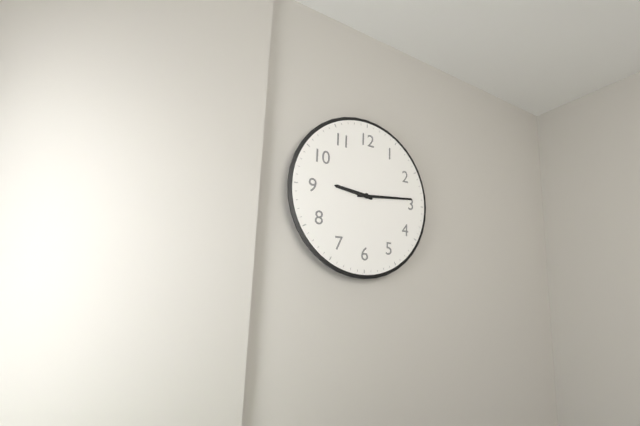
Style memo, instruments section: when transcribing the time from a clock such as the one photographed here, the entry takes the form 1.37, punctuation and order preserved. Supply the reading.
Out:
9.14
